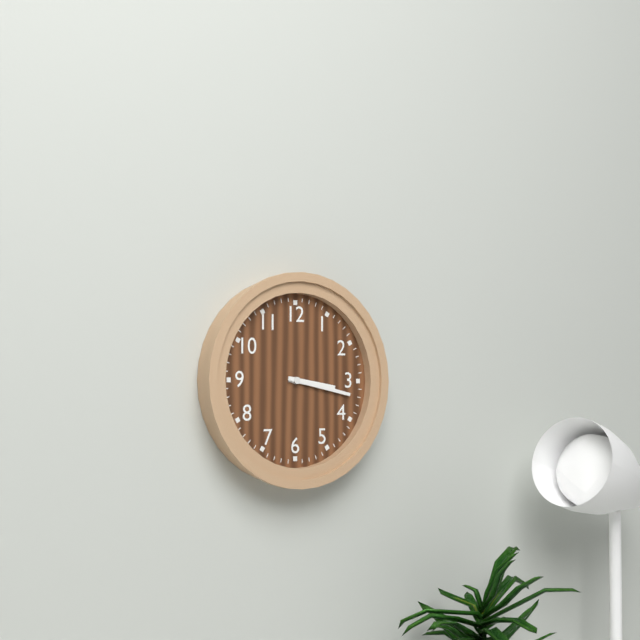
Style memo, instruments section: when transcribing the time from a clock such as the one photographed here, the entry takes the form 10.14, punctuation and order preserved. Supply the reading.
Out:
3.17
